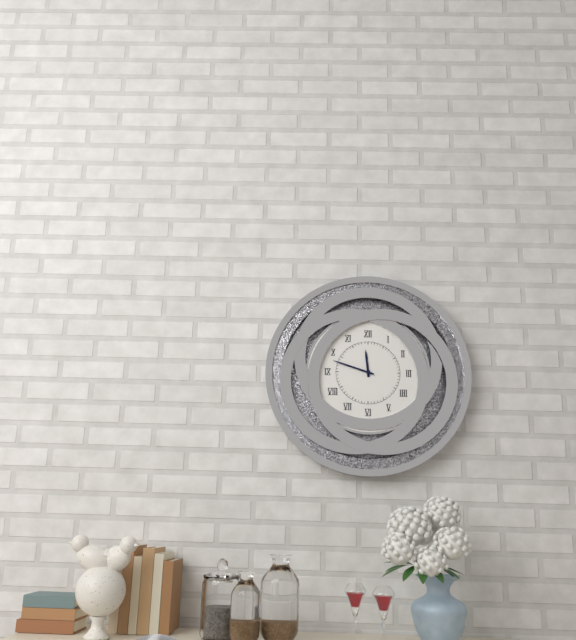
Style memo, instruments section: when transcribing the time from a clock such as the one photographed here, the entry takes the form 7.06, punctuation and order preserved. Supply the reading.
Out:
11.48
